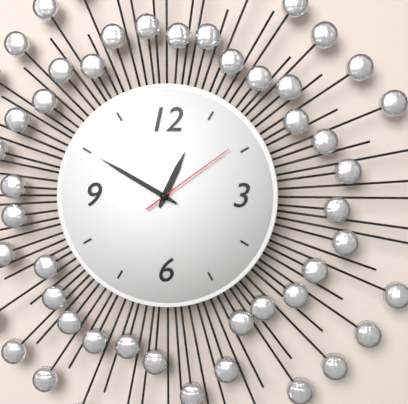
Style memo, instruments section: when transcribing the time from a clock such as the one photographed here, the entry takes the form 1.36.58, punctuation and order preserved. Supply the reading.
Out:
12.50.09
